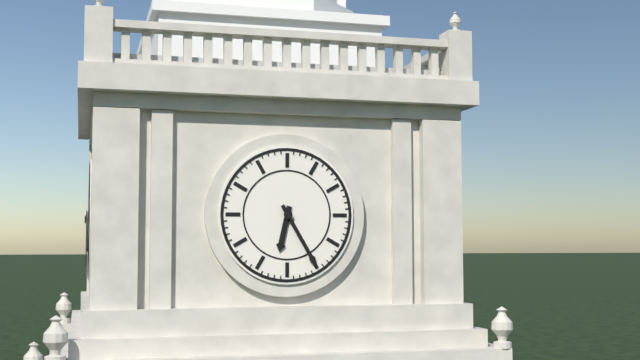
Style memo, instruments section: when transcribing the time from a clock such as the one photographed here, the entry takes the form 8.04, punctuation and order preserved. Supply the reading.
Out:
6.25
